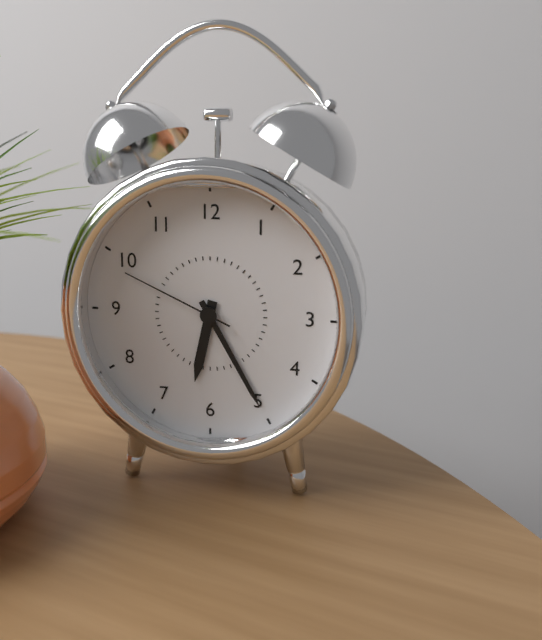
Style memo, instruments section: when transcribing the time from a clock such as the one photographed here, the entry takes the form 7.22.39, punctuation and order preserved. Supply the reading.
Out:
6.25.49
